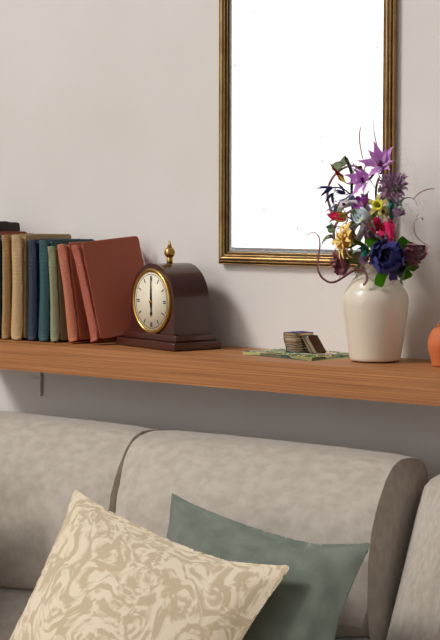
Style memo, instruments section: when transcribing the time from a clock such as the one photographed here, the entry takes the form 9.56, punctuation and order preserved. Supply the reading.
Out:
6.00
